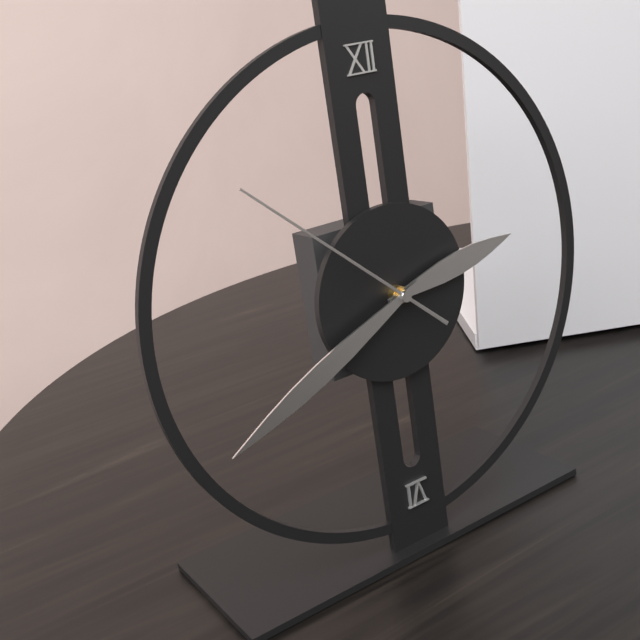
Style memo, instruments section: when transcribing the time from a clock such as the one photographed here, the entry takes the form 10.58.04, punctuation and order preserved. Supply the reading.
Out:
2.41.52
